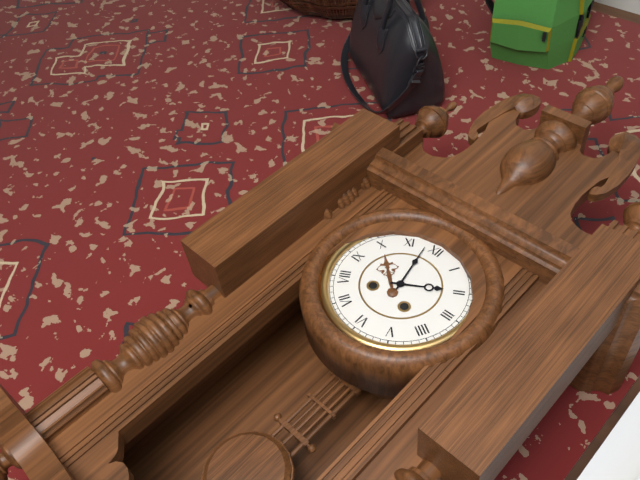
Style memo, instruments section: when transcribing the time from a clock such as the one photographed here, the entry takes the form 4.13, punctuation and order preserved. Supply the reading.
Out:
1.58
